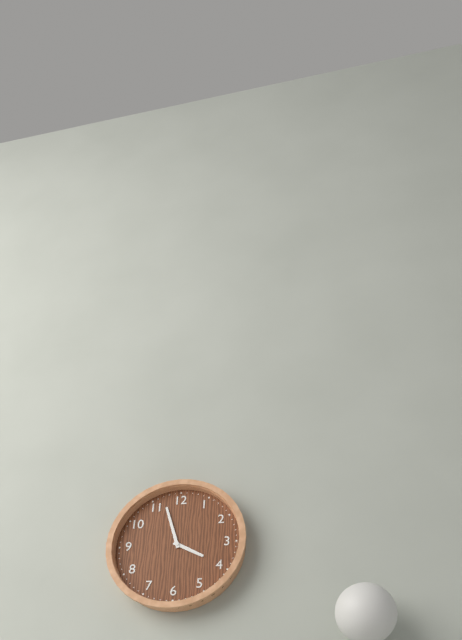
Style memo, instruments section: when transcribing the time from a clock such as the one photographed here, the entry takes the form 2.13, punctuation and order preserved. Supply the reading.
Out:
3.57
